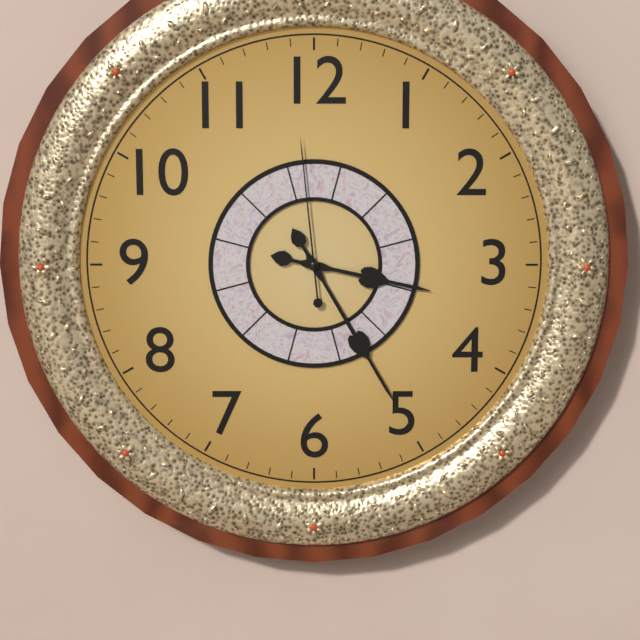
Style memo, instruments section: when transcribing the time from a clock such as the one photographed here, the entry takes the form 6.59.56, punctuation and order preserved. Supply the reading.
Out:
3.25.59
